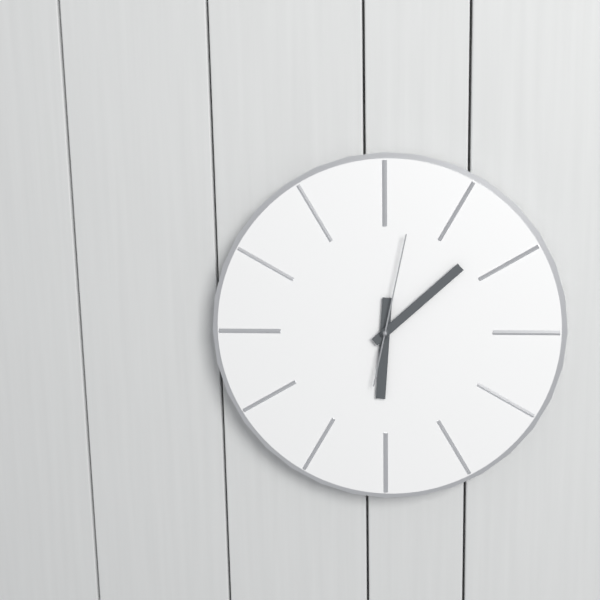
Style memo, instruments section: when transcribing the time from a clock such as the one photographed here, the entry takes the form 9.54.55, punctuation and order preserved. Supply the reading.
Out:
6.08.02
